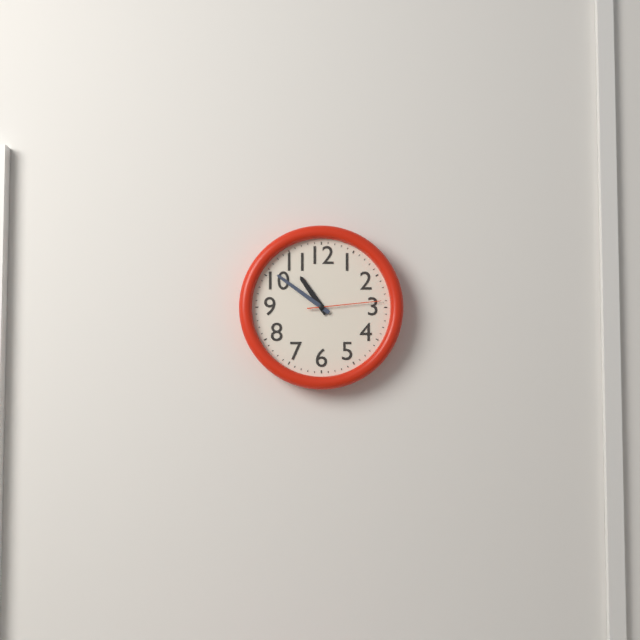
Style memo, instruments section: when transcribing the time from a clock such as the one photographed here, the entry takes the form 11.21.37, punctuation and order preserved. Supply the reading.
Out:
10.51.14
